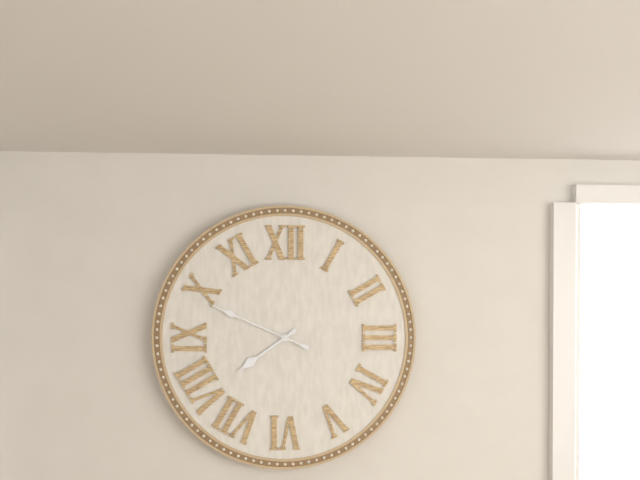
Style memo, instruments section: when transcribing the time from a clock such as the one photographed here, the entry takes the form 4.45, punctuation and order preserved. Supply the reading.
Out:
7.49
